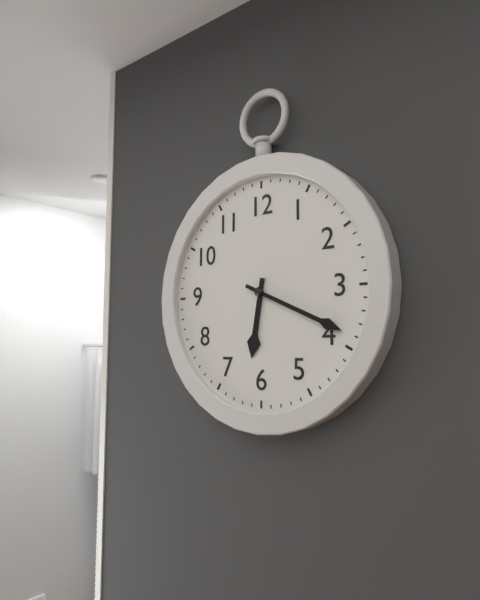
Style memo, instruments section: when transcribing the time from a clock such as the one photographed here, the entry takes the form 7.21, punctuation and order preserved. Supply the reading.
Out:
6.19
